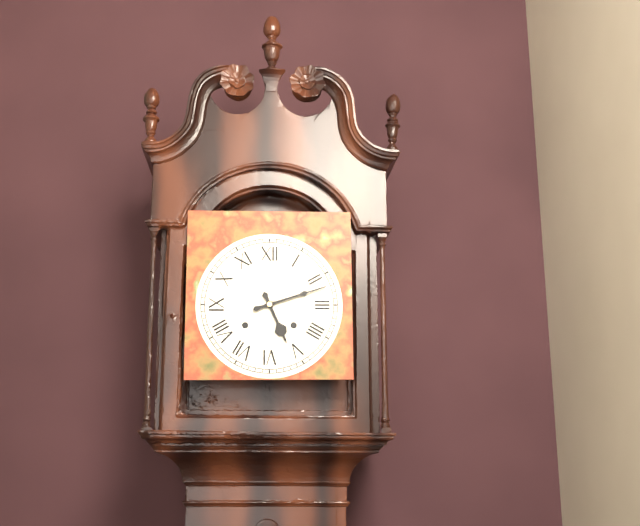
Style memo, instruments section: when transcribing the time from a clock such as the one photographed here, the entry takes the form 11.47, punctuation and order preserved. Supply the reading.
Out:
5.12
